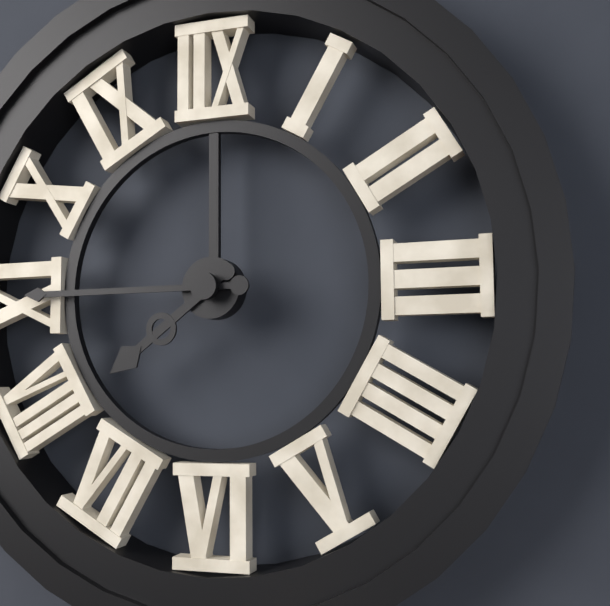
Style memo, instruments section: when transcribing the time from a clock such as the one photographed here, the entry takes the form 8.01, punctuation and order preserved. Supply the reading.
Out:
7.45
